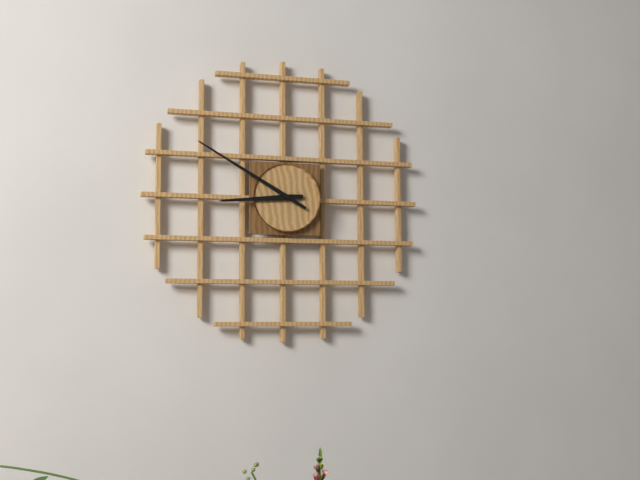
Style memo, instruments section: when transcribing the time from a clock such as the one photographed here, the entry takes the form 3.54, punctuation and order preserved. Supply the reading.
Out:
8.50
